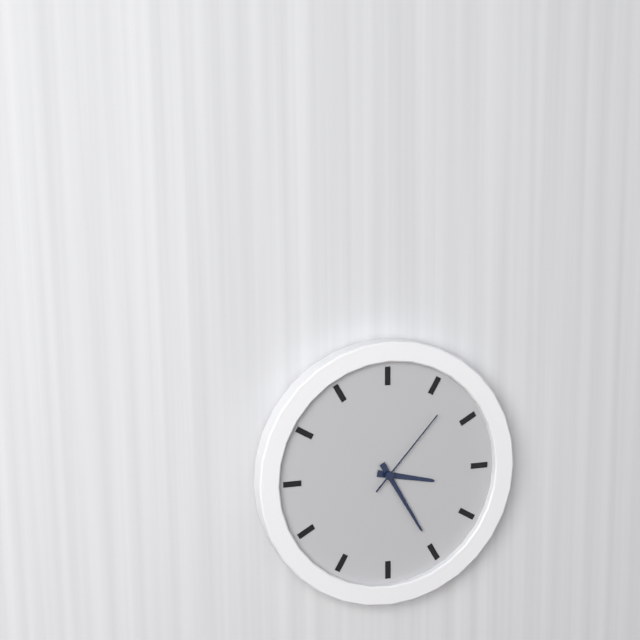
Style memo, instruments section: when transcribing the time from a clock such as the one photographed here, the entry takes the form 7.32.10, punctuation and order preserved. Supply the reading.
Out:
3.25.07
